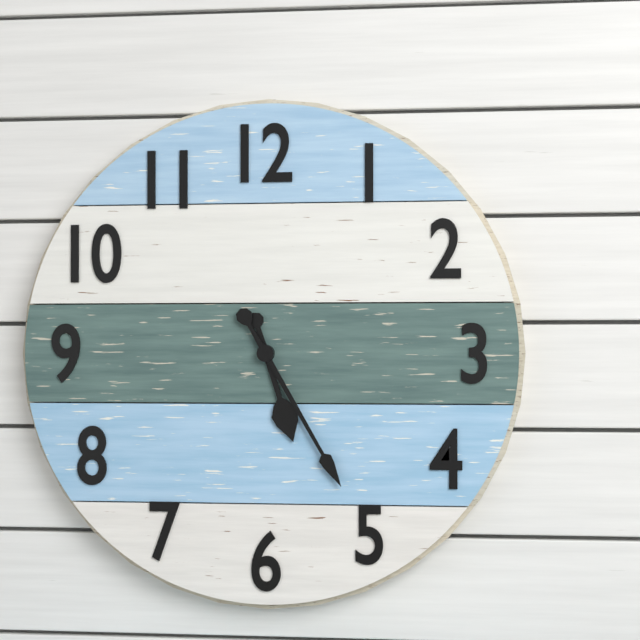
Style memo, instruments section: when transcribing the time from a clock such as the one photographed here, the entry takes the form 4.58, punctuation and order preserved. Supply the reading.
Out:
5.25
